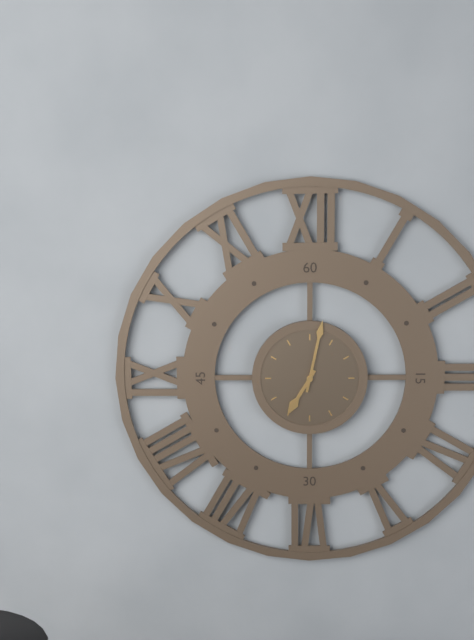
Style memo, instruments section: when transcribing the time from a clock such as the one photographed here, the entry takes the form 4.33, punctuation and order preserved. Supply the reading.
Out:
7.02
